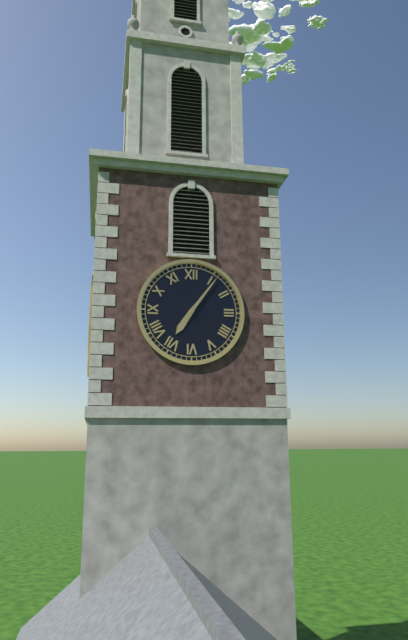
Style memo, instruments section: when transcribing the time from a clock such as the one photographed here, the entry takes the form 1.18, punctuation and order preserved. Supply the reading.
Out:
7.06
